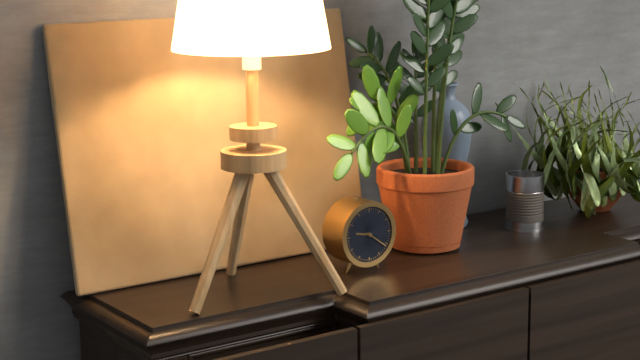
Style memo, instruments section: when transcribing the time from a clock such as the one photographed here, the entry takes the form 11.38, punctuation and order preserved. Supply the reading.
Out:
9.21
